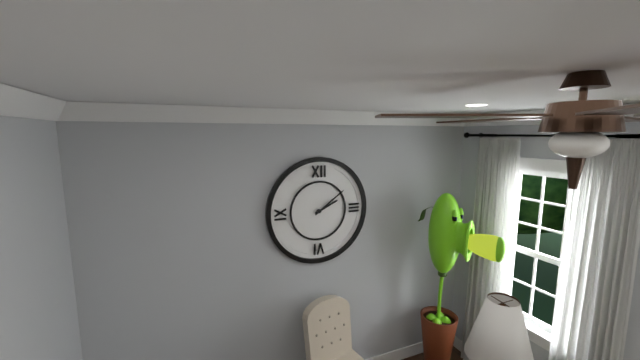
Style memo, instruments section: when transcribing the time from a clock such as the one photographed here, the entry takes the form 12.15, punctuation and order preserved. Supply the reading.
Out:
2.09
